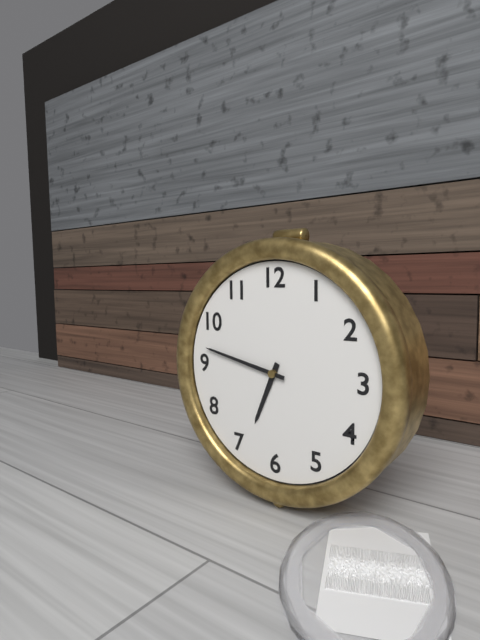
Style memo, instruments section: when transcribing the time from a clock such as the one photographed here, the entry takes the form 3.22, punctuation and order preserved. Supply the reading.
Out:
6.47
